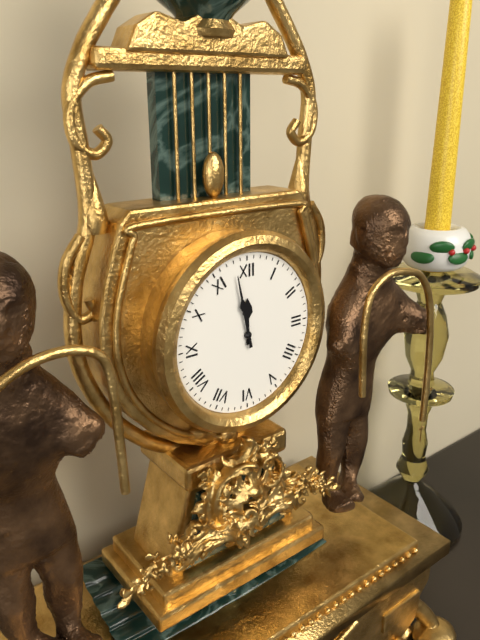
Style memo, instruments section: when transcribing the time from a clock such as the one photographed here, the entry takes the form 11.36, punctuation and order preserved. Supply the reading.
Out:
11.58
